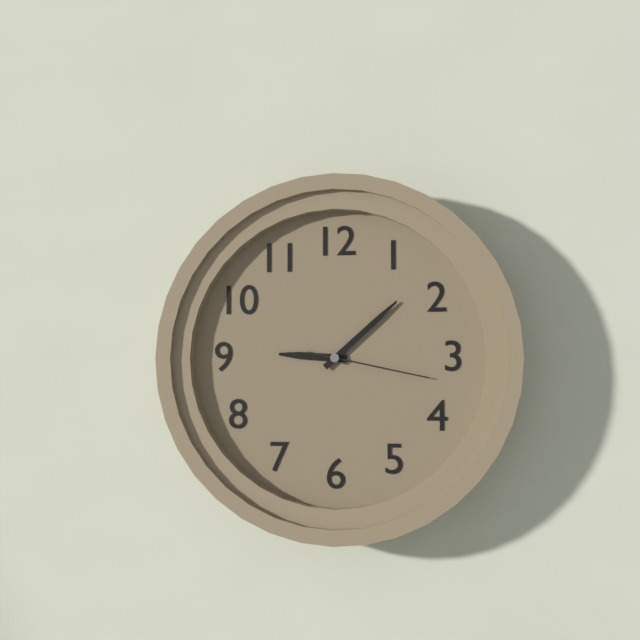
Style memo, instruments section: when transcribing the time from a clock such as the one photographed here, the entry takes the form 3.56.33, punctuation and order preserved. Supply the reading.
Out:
9.08.17
